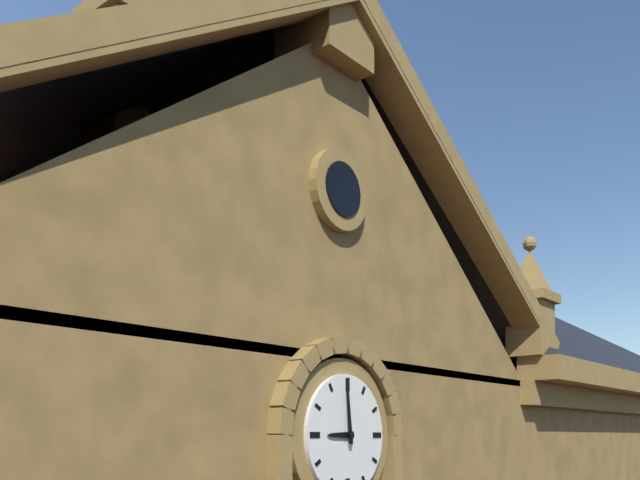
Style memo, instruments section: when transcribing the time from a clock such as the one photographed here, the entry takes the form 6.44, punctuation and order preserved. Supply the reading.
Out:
8.59
